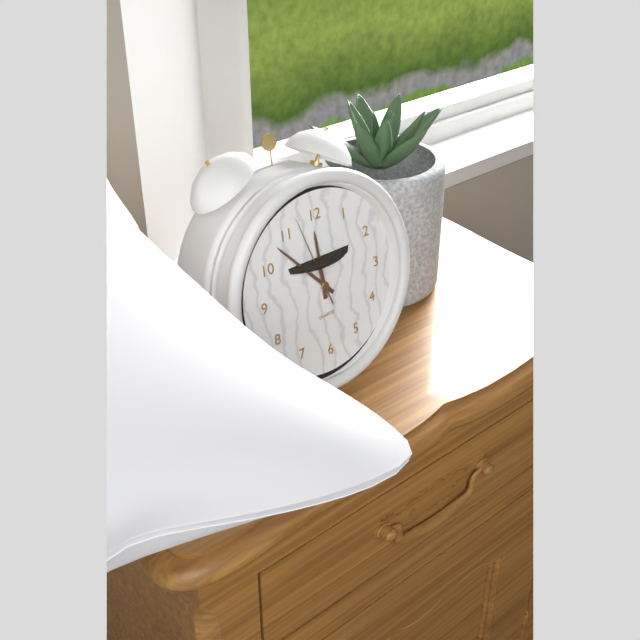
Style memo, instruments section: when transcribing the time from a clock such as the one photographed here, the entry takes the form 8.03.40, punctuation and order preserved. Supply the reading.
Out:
11.53.57
